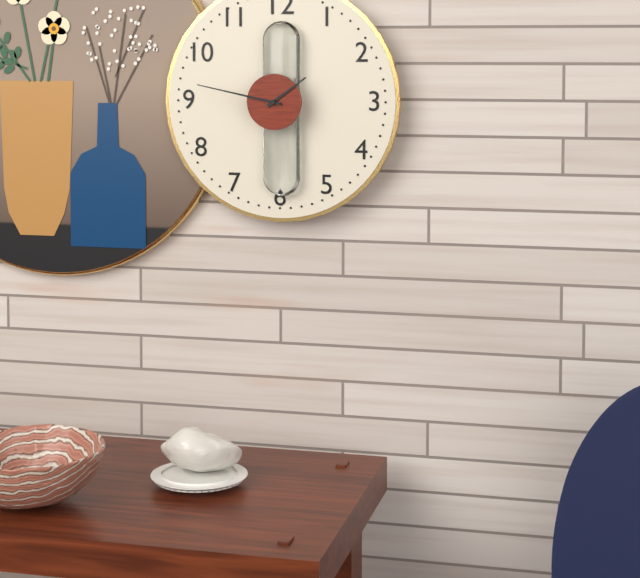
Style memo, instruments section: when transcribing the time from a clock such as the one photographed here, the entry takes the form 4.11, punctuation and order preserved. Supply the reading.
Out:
1.47
